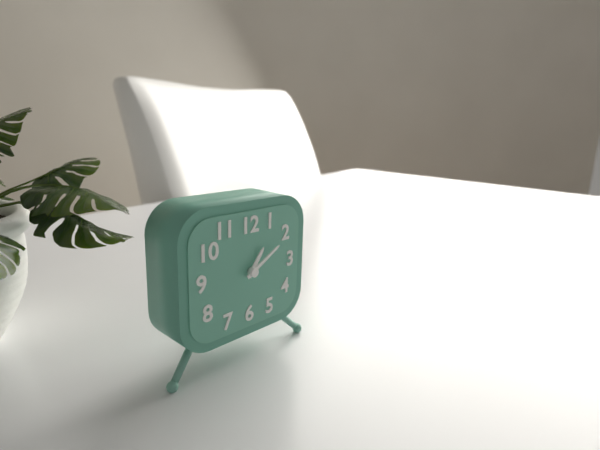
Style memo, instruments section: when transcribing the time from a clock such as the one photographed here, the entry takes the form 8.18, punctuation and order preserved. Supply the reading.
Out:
1.10
